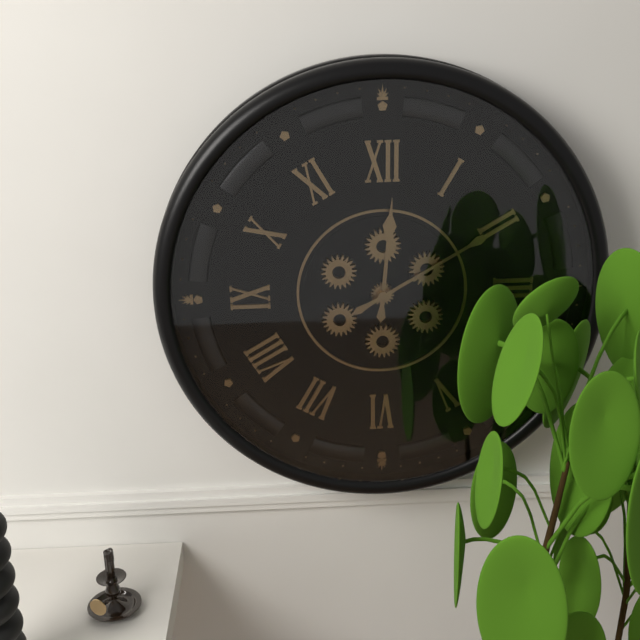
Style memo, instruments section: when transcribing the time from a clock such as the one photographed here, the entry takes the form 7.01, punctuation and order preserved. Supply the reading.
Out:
12.10
